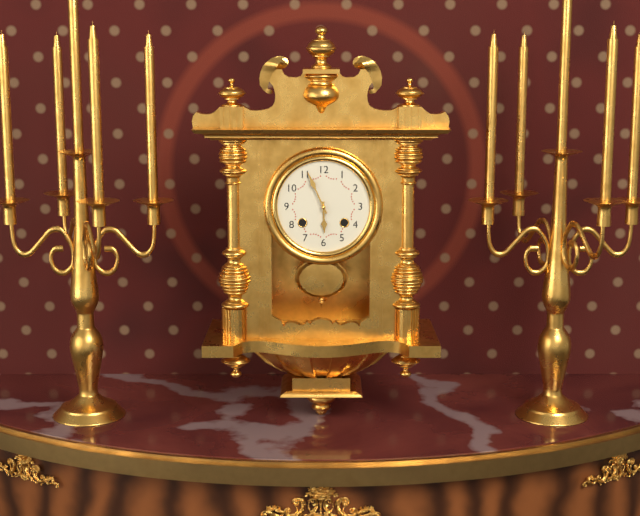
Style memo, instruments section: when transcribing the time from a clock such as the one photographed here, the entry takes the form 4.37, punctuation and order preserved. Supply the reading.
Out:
5.56
